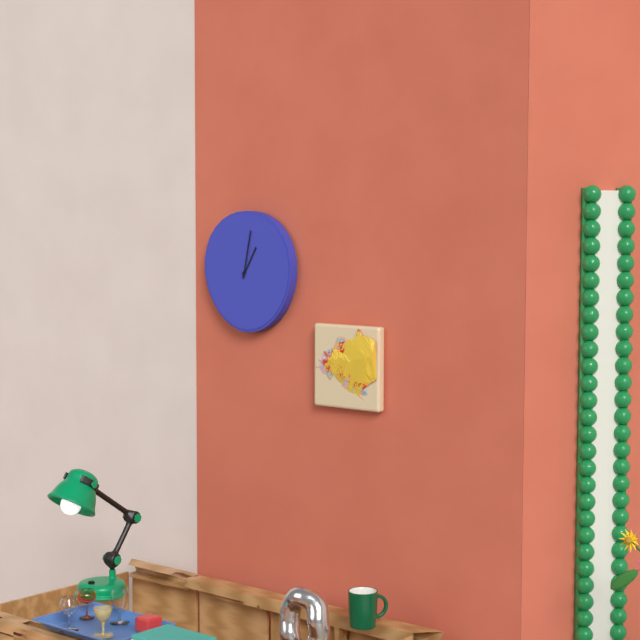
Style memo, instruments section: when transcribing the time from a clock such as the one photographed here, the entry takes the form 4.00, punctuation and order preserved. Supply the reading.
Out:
1.02
